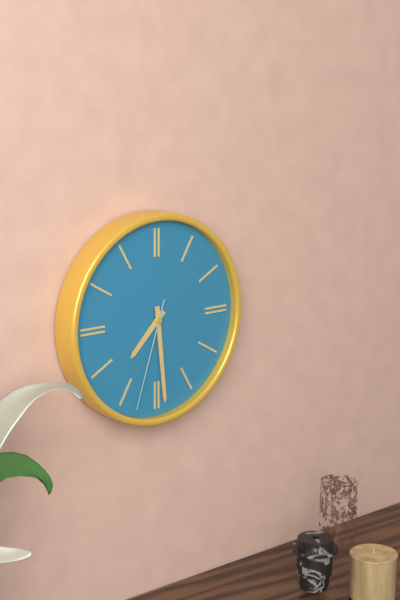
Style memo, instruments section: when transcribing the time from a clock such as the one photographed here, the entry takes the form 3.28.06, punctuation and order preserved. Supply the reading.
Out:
7.29.33
